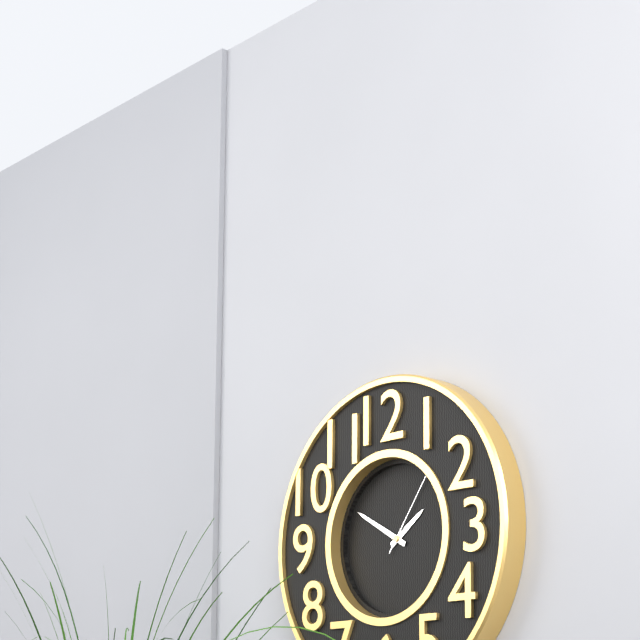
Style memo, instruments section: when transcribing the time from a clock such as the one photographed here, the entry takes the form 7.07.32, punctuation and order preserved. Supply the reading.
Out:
1.50.06
